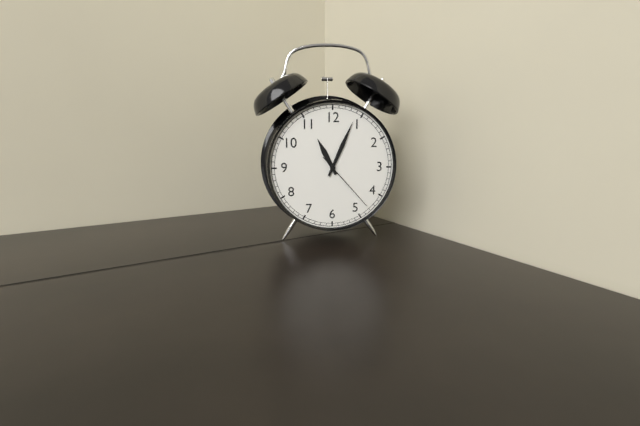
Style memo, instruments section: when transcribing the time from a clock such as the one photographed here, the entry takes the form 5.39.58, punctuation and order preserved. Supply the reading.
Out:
11.04.23
